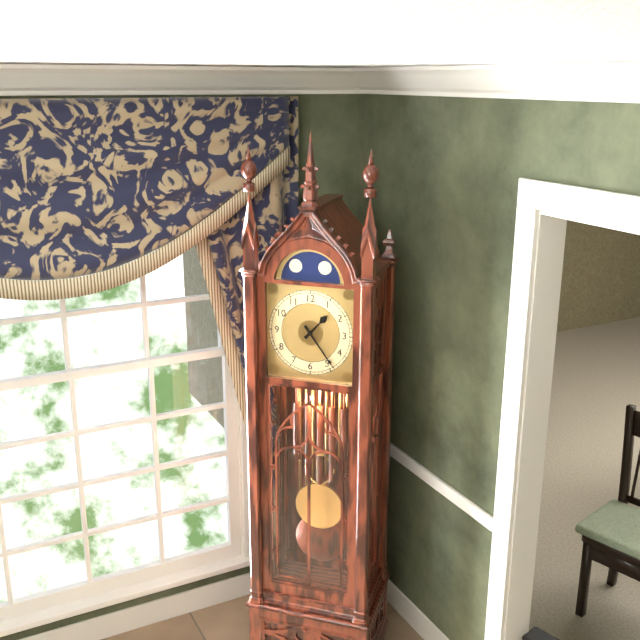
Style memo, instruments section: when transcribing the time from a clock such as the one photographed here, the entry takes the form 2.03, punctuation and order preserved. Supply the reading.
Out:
1.24
